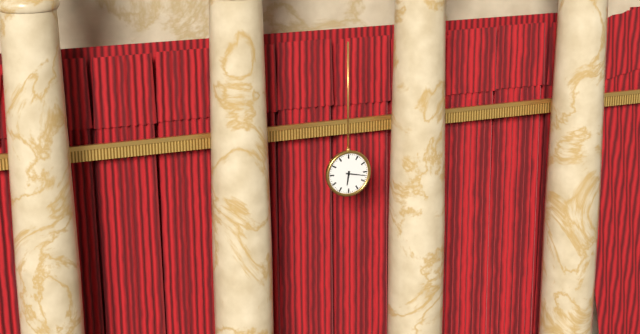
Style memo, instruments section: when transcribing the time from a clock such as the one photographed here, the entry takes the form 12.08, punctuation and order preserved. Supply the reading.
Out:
6.17
